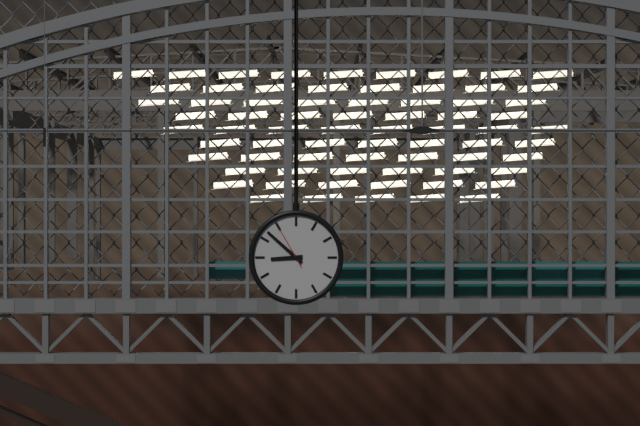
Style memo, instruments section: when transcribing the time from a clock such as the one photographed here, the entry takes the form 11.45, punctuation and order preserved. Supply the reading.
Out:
8.52
